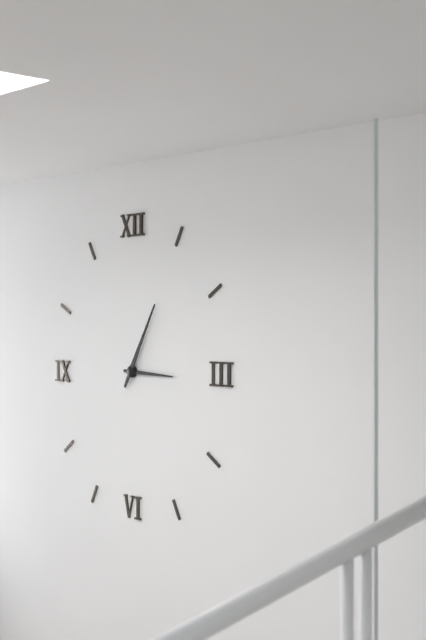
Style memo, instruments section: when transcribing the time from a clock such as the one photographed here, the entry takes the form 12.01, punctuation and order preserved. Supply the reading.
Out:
3.05
